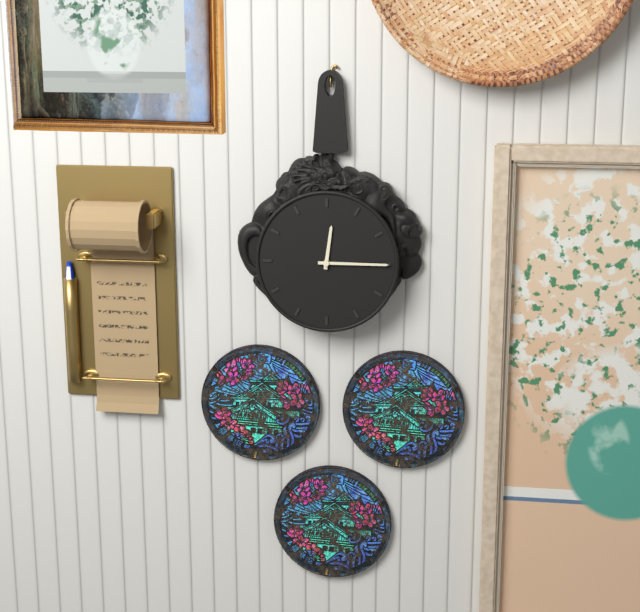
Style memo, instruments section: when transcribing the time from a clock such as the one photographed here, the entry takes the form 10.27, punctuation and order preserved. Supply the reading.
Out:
12.15
